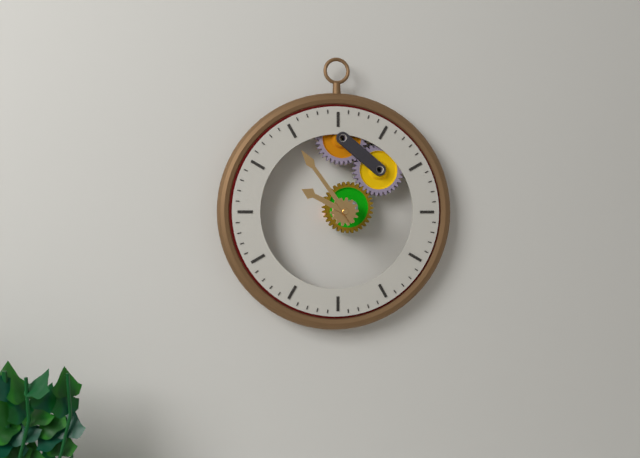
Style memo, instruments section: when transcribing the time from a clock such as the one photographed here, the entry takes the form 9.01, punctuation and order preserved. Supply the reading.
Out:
9.54
